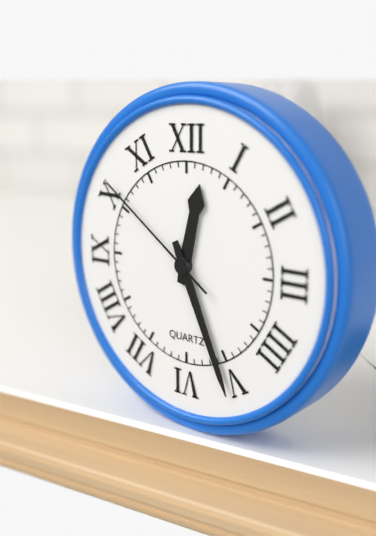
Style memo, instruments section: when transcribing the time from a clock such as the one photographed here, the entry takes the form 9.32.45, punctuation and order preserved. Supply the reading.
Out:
12.26.51
